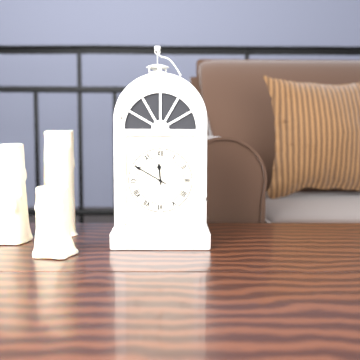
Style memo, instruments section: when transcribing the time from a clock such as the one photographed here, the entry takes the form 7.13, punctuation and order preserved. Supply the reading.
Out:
11.50
